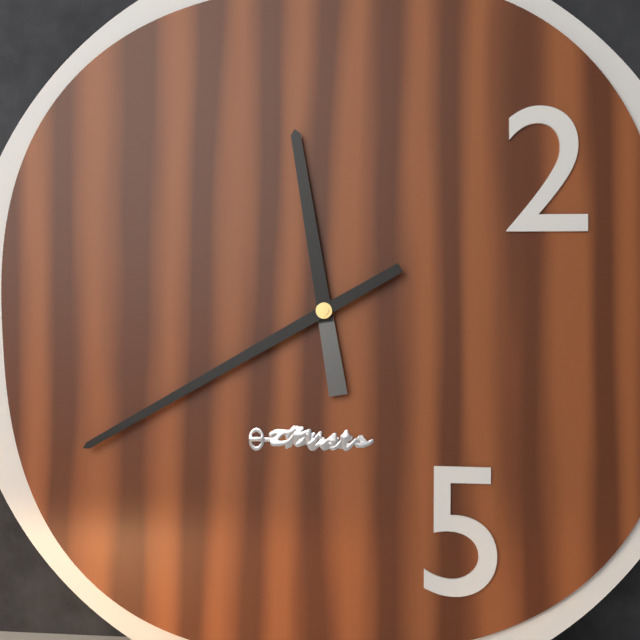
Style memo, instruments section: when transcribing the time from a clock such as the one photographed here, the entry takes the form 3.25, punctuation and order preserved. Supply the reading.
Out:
11.40
